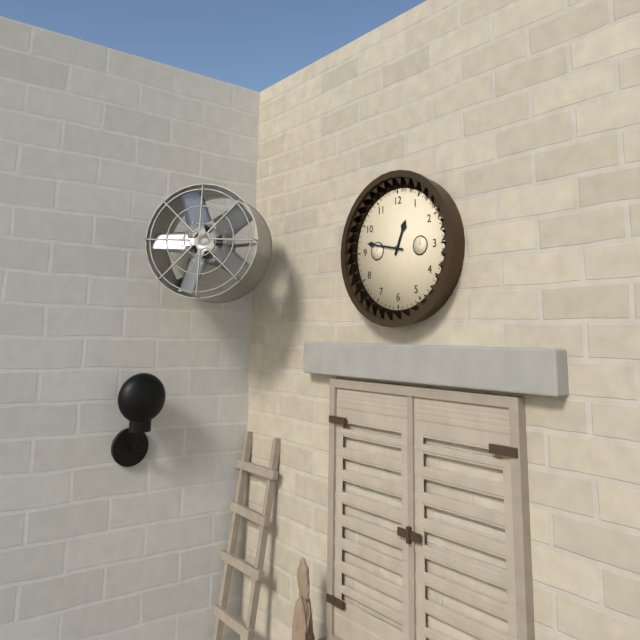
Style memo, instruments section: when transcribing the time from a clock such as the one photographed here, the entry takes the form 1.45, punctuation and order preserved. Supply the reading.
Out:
12.47
